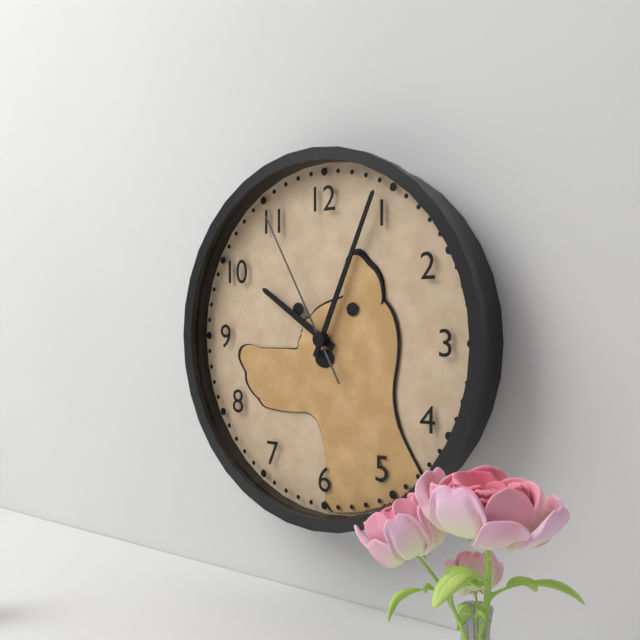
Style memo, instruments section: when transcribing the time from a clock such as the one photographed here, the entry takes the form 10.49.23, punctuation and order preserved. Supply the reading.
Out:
10.04.55
